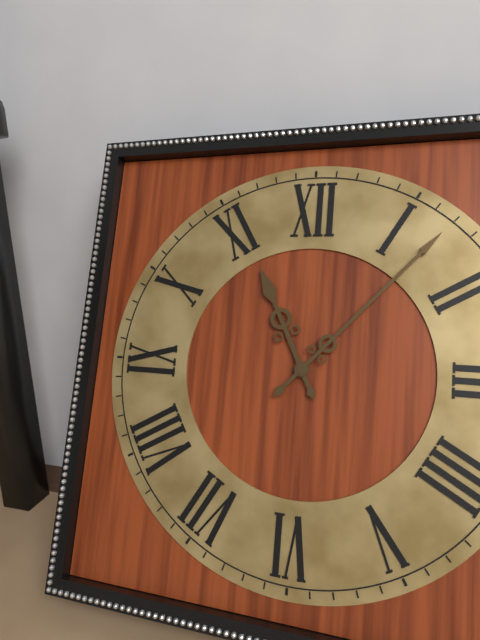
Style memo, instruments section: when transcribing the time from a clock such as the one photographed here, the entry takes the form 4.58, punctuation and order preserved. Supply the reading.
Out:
11.07
